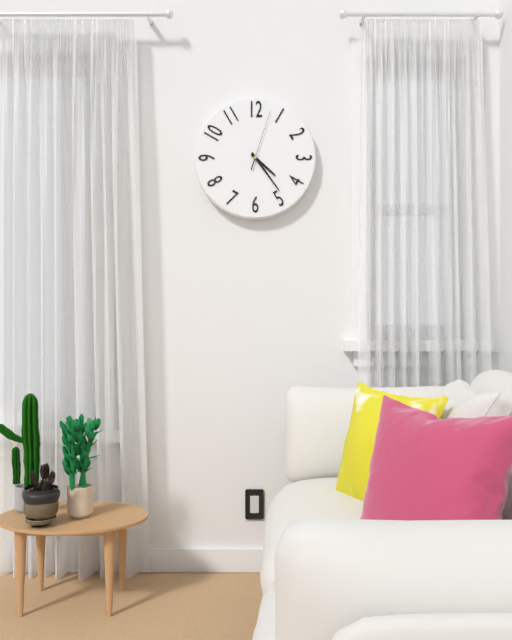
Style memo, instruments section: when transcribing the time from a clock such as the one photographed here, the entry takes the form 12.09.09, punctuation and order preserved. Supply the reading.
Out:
4.24.03
